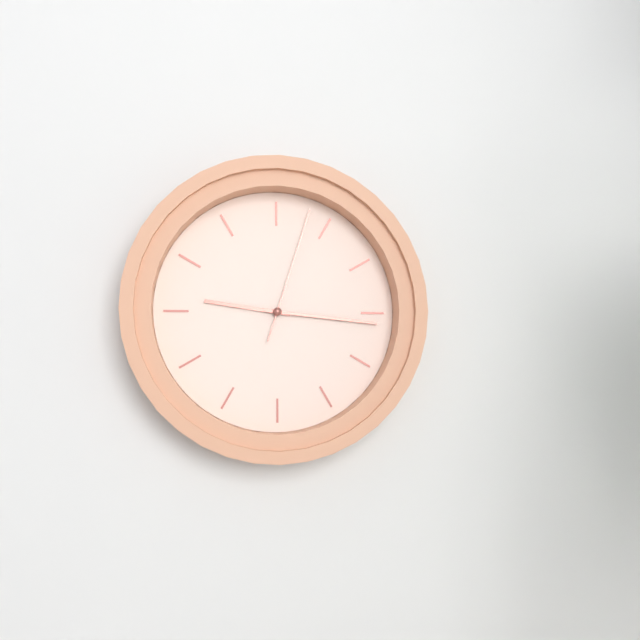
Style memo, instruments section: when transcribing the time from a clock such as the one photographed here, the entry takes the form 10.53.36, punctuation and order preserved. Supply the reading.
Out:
9.16.03
